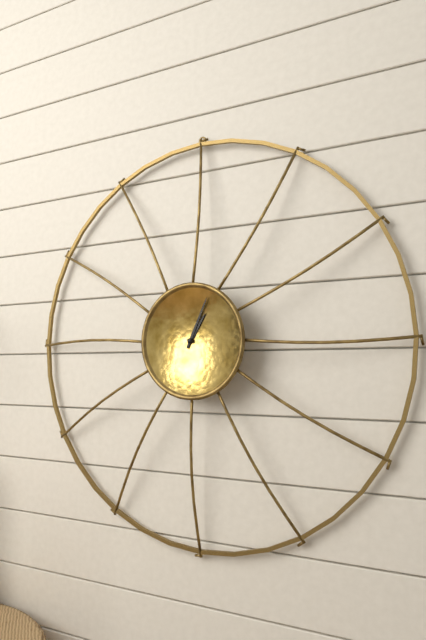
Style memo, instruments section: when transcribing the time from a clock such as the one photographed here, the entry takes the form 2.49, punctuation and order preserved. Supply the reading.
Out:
1.04
